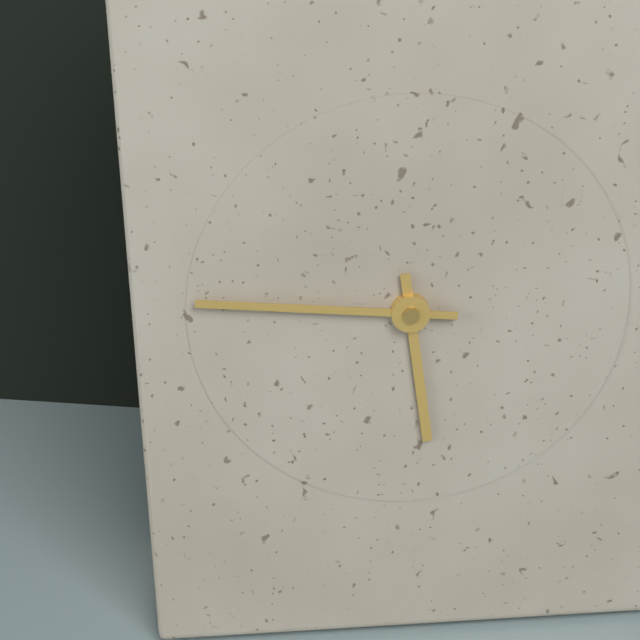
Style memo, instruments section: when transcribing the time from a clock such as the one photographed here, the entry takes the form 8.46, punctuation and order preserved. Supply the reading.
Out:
5.46
